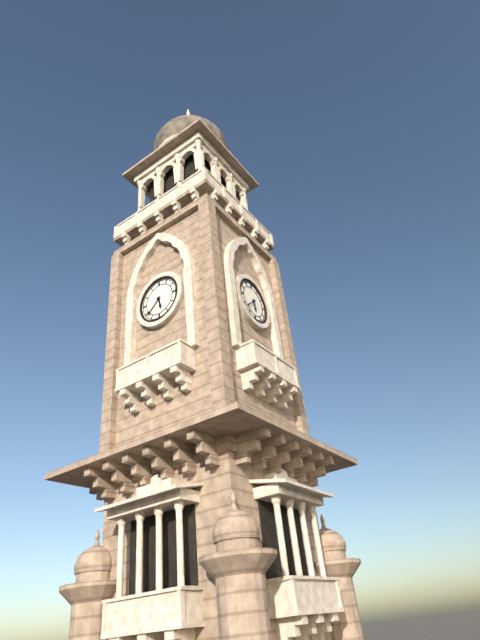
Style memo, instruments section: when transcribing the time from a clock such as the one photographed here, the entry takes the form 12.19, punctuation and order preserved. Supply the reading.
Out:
5.38
